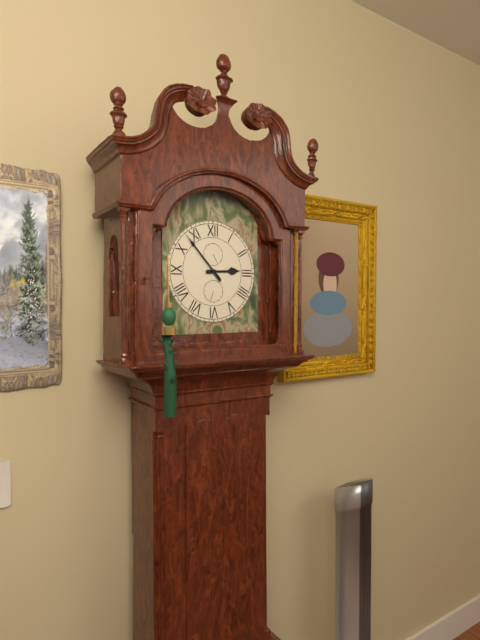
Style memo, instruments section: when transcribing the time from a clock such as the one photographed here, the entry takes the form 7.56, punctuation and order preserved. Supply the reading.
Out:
2.53
